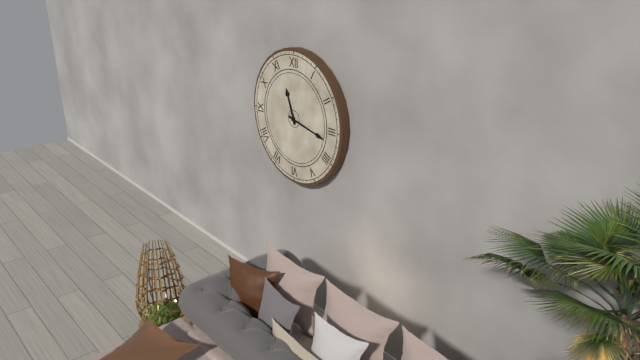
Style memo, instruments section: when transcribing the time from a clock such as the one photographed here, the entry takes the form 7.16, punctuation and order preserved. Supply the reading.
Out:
11.17
